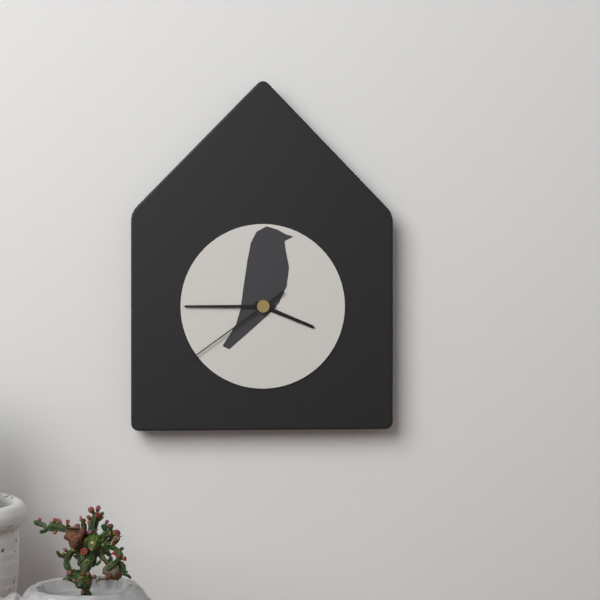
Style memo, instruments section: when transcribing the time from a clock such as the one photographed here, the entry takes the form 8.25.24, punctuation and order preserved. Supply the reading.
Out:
3.45.39
